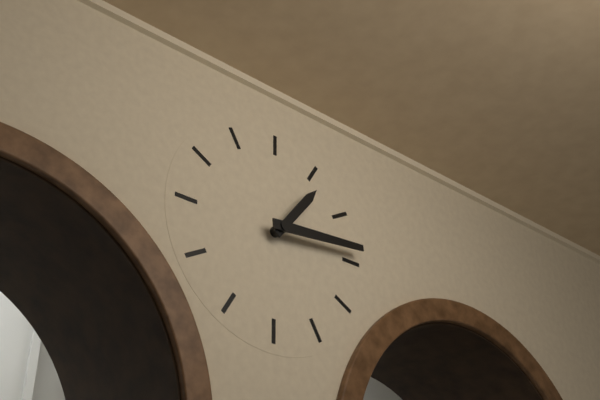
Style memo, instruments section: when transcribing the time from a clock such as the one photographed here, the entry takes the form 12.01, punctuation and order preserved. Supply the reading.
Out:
1.14
